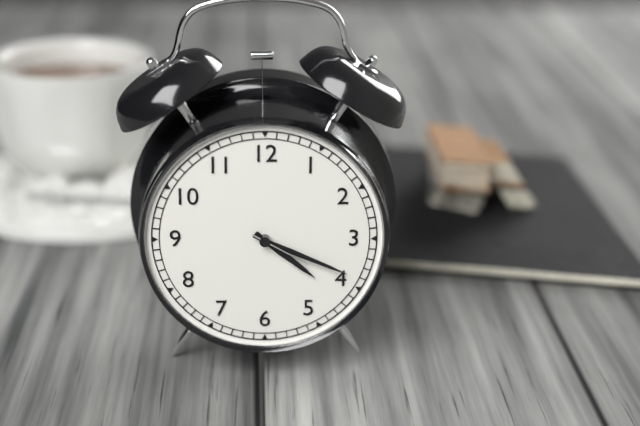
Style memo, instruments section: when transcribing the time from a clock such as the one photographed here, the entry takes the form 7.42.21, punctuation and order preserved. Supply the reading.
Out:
4.19.20
